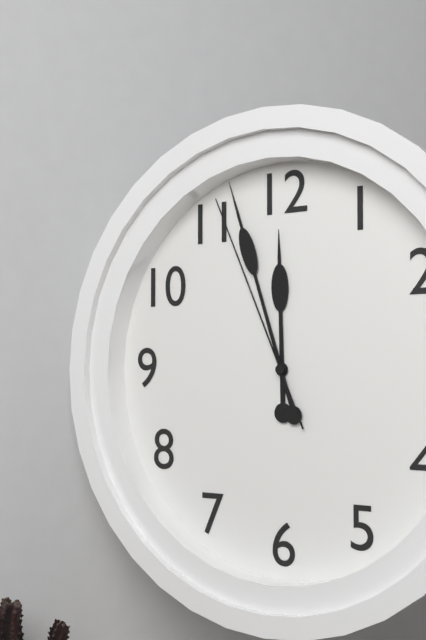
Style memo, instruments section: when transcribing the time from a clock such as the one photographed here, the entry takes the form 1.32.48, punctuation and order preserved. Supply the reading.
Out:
11.57.56
